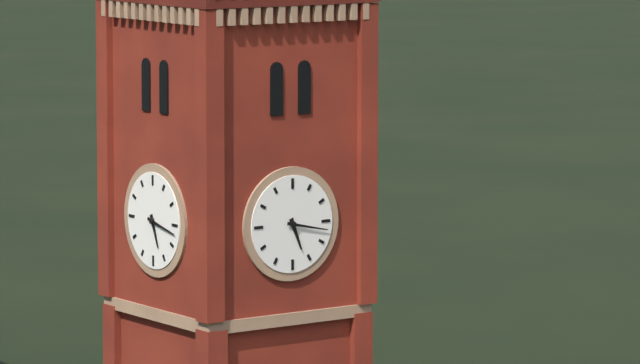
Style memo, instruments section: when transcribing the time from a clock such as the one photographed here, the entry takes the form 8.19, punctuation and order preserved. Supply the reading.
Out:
5.17
